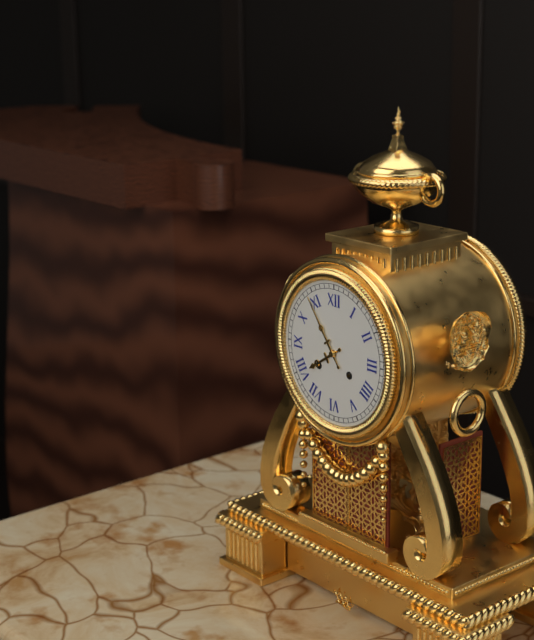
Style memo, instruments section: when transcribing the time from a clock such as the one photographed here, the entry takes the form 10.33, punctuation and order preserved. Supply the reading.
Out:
7.54
